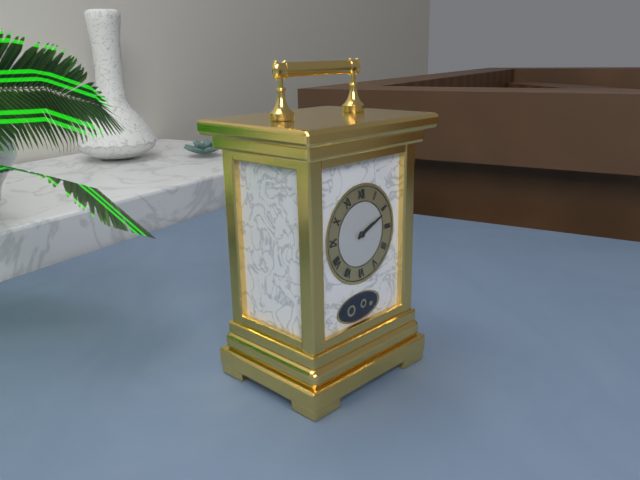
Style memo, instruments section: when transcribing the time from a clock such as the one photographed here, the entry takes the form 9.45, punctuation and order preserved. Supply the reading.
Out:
2.11
